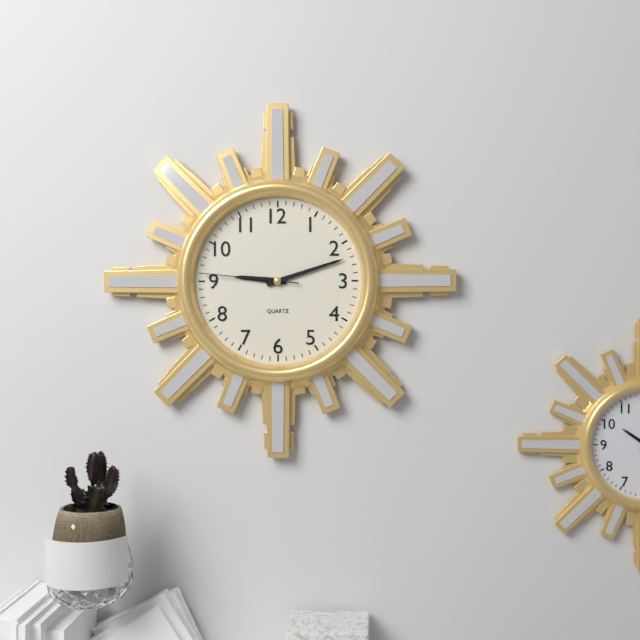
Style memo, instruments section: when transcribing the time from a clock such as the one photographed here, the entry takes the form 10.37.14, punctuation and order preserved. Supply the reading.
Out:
9.12.46
